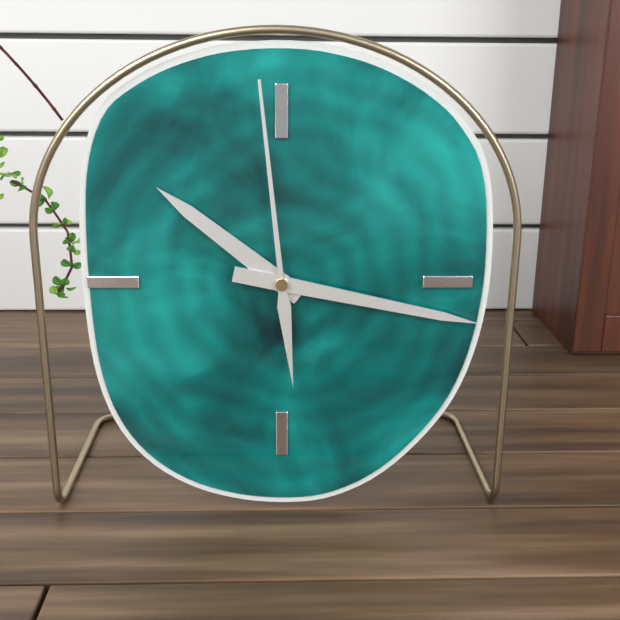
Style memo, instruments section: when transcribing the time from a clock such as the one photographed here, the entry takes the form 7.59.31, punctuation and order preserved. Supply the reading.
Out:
10.17.59
